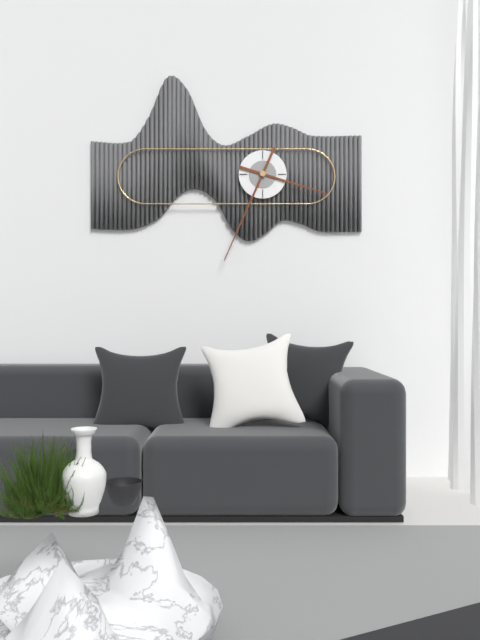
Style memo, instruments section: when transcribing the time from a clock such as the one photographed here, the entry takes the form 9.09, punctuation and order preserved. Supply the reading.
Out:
3.34
